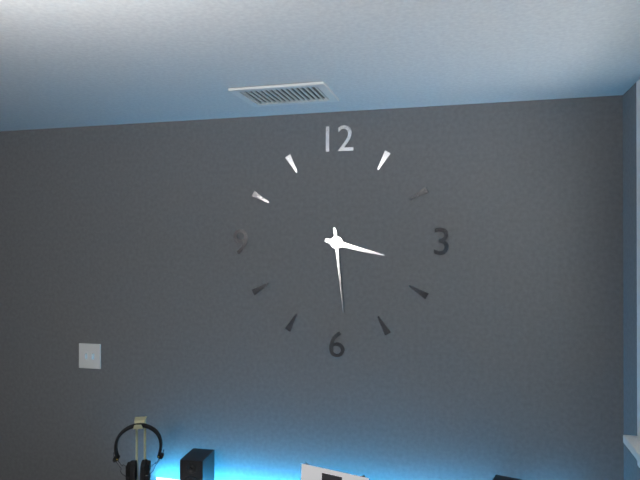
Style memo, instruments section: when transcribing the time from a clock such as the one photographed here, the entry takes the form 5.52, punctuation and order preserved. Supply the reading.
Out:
3.29
